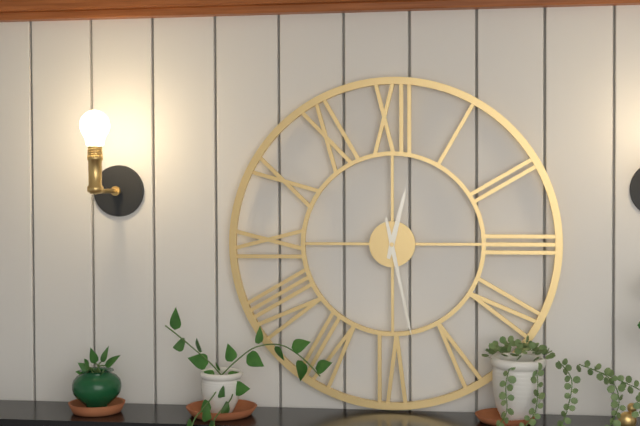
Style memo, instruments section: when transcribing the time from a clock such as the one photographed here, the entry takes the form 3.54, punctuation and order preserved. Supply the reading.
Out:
12.28
